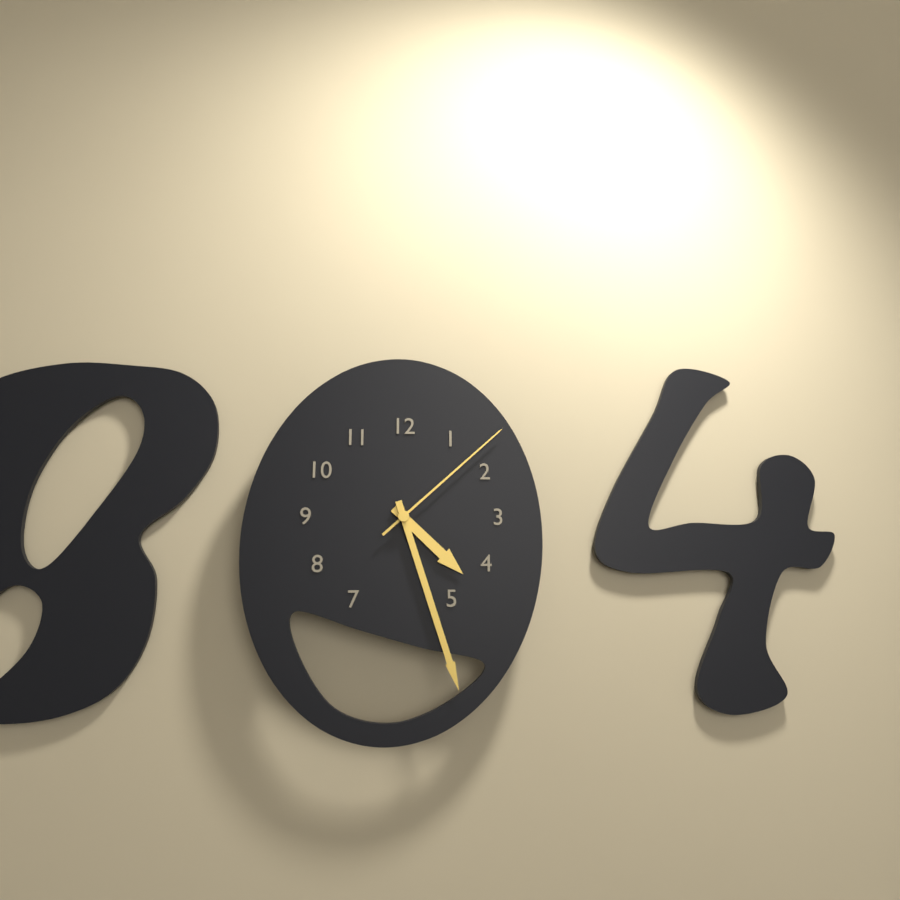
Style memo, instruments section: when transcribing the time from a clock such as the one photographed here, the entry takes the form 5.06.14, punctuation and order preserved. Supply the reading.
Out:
4.27.08
